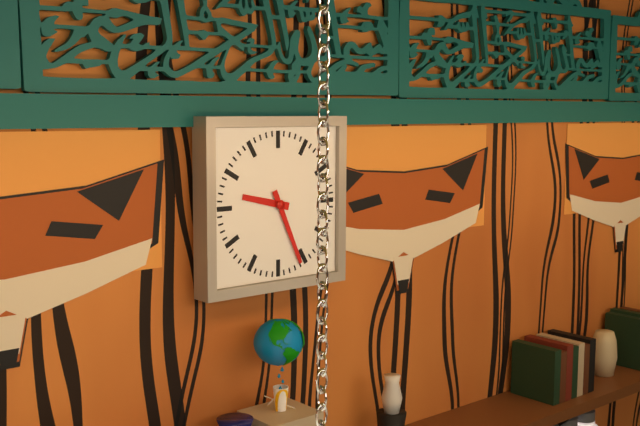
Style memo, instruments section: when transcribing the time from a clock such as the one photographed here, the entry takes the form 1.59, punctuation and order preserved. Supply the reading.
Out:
9.26
